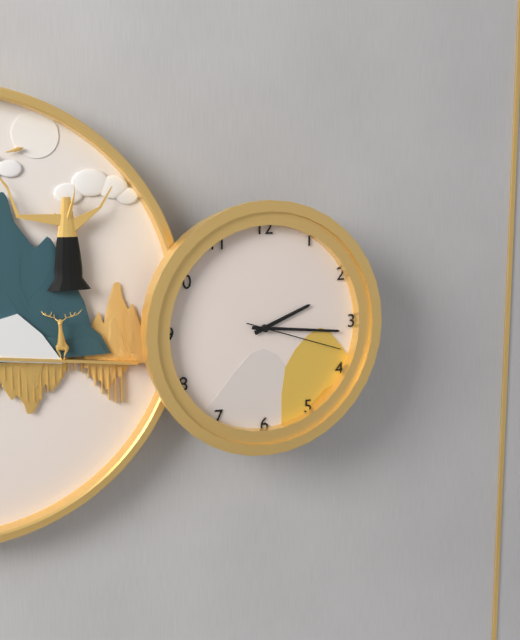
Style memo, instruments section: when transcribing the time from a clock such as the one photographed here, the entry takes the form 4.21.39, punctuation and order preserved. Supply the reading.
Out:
2.16.18
